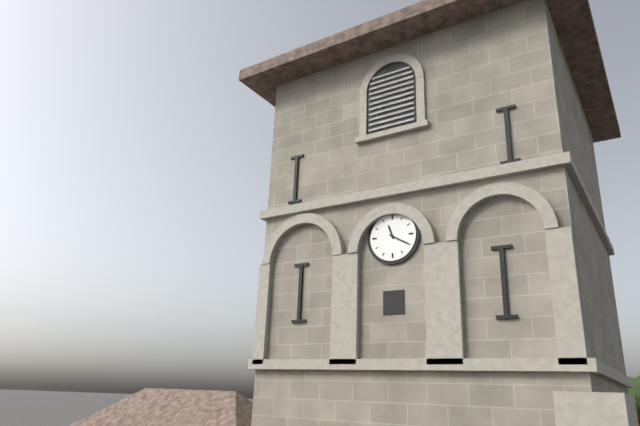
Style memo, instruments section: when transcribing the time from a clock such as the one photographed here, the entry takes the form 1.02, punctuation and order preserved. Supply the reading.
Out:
11.20
